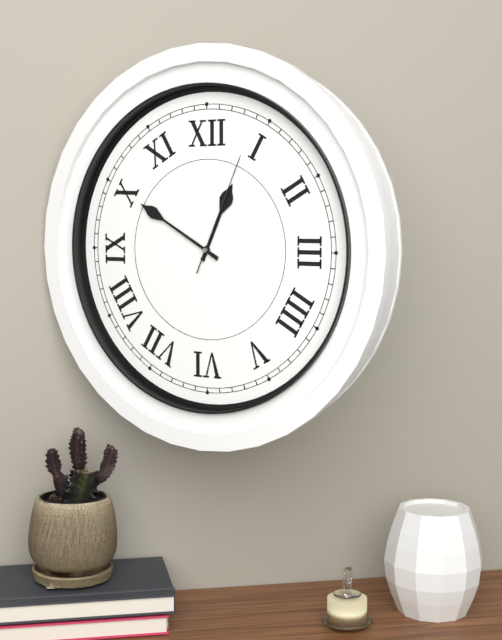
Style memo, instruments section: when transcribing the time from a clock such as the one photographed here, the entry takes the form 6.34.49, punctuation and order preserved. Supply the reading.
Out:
12.50.04
